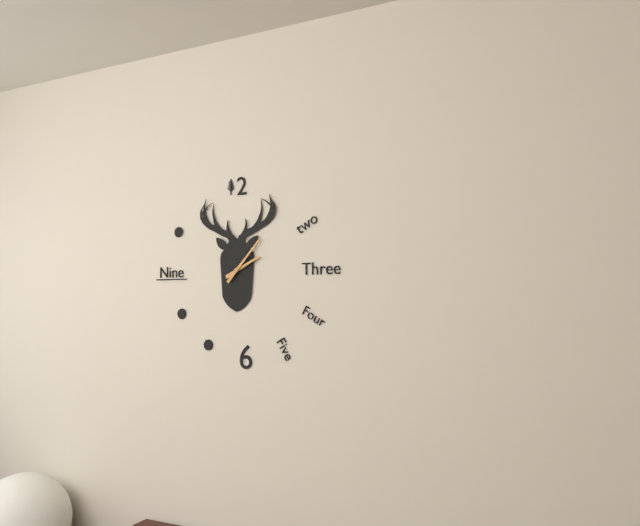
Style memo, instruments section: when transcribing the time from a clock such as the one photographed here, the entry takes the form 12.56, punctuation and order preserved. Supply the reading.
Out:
2.07
